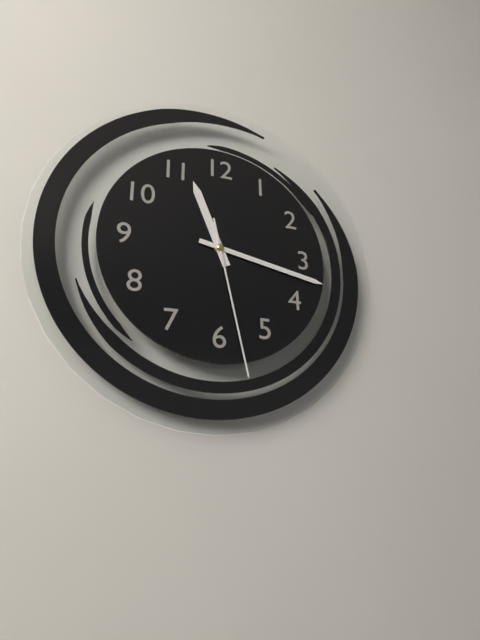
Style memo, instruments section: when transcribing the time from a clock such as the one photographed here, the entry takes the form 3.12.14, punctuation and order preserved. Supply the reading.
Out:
11.17.28
